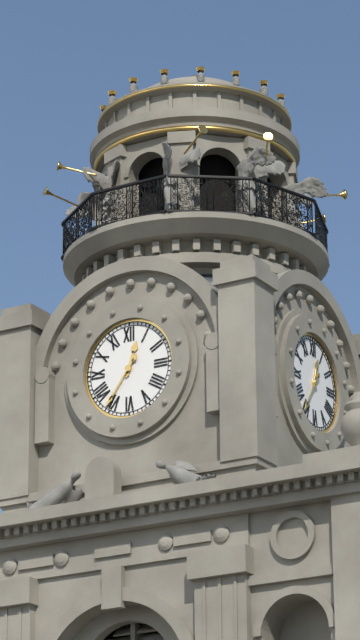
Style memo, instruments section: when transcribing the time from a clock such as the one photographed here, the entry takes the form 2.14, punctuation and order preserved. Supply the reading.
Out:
12.36
